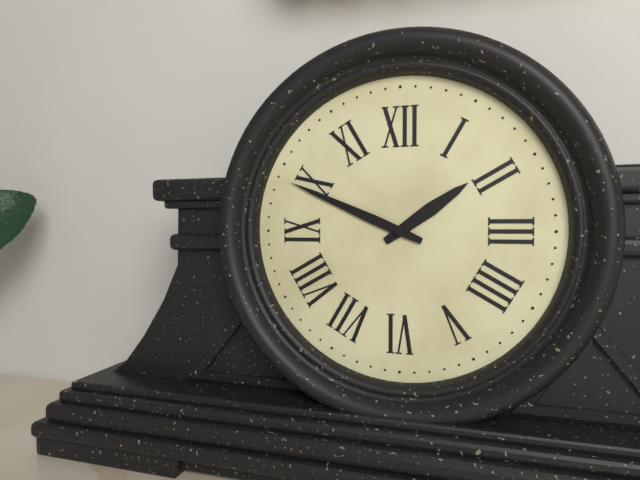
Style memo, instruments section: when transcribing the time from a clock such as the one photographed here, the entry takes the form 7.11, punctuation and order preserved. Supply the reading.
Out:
1.49
